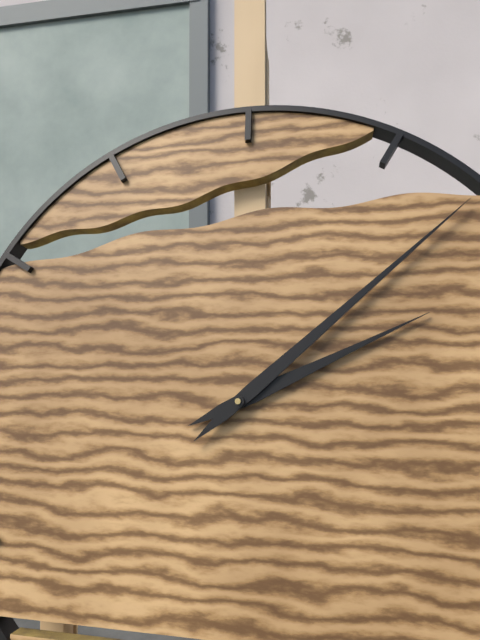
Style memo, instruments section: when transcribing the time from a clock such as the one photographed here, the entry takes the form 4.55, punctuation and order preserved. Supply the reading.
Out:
2.08
